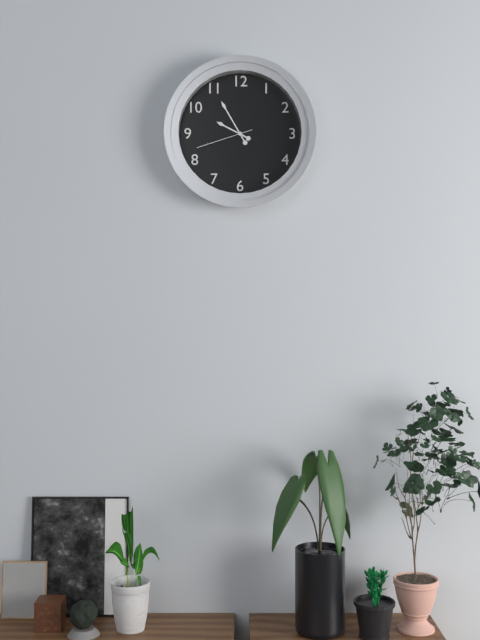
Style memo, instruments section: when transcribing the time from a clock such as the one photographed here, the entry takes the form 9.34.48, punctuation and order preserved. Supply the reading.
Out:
9.55.42
